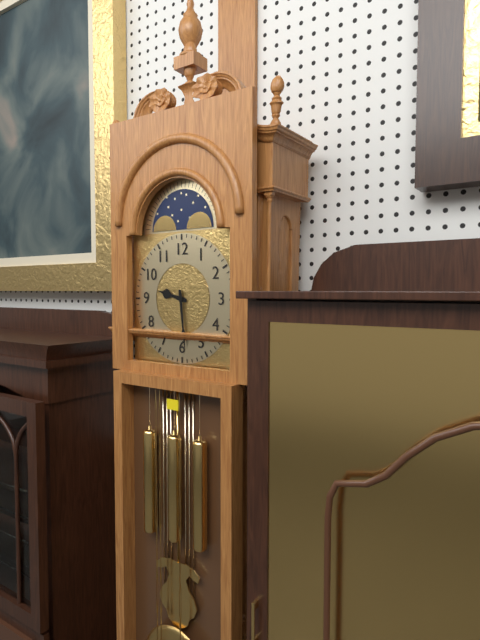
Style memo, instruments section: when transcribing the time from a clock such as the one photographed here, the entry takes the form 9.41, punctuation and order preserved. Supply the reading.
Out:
9.29
